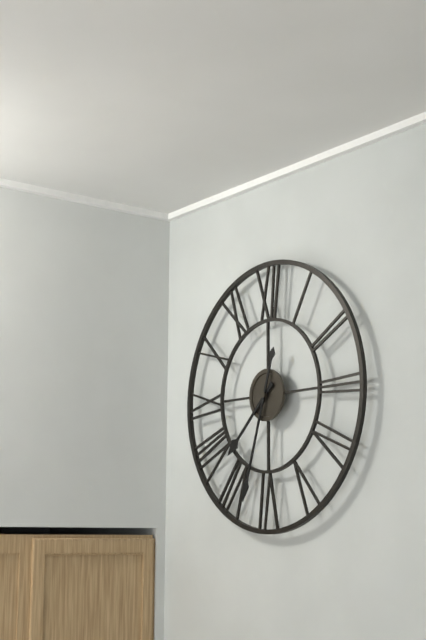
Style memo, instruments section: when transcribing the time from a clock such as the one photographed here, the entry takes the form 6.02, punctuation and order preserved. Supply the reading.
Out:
7.33
